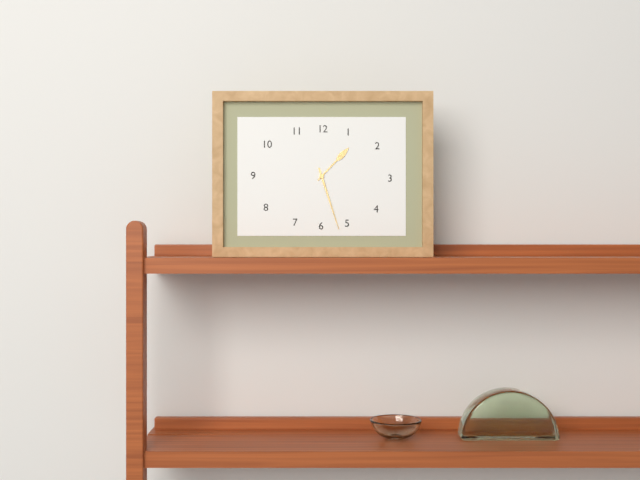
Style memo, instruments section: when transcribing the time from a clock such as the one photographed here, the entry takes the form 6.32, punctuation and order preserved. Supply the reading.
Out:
1.27
